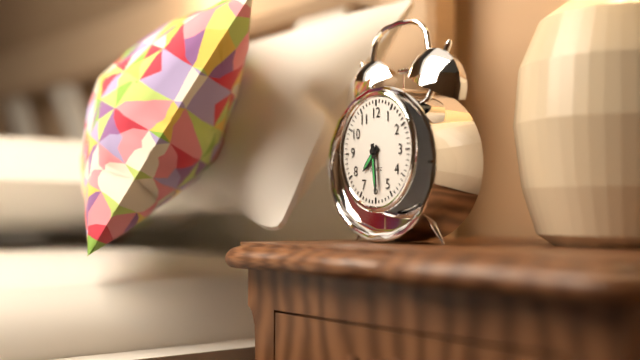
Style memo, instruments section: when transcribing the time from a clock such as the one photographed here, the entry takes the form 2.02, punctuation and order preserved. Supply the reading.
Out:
7.29
